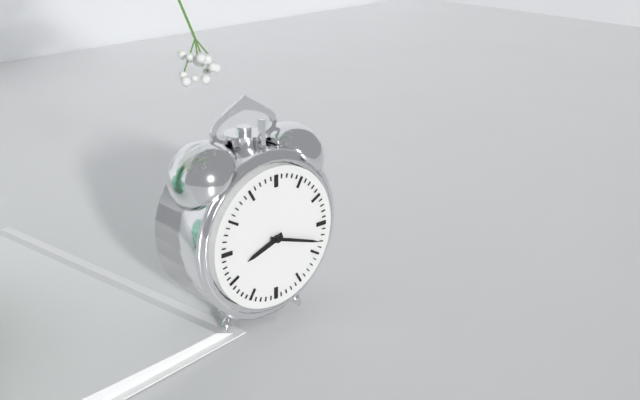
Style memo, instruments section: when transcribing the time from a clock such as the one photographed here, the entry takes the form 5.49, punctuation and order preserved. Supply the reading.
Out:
8.18
